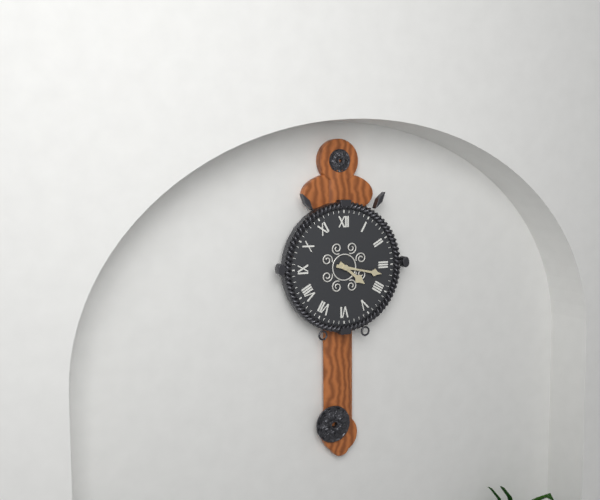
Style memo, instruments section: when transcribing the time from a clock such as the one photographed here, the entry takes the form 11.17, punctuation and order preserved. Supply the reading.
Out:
4.17
